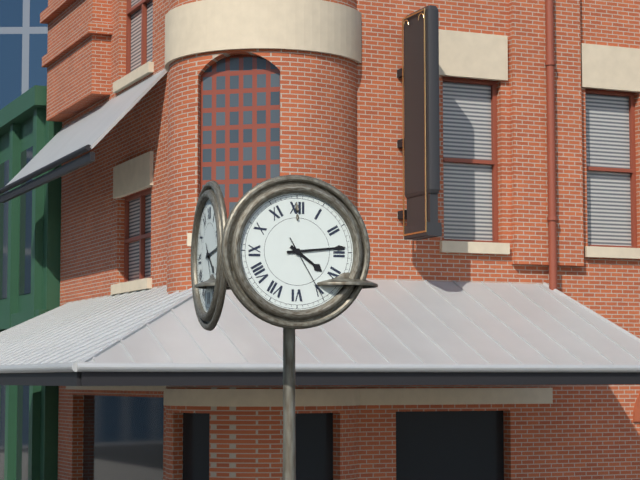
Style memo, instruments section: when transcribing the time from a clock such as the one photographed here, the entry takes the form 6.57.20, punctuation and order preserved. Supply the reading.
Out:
4.14.25
